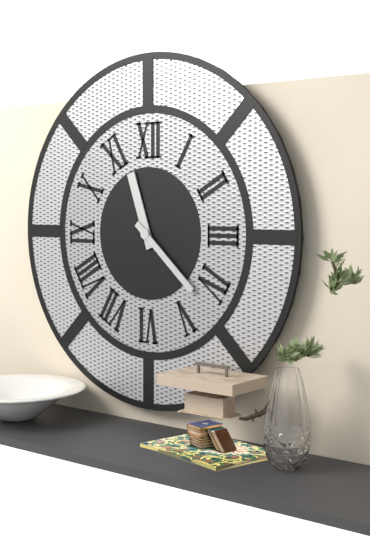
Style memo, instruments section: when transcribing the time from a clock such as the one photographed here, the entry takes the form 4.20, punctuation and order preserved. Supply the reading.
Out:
11.22
